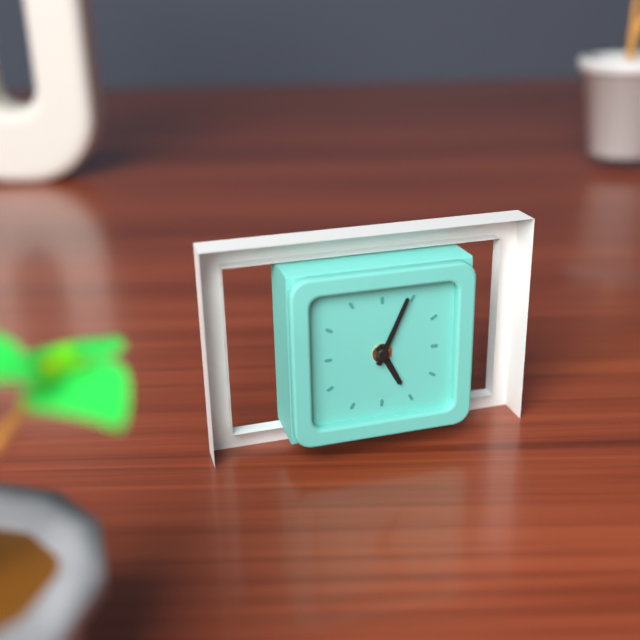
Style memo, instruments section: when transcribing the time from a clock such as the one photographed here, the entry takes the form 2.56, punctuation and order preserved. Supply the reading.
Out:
5.04
